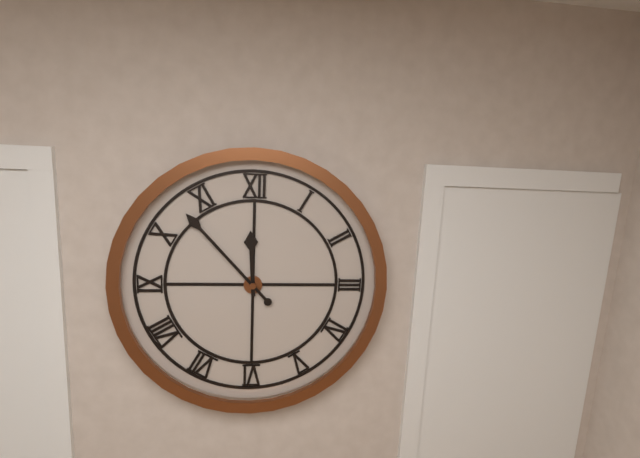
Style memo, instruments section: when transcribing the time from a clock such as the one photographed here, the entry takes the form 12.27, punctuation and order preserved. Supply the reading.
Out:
11.53
